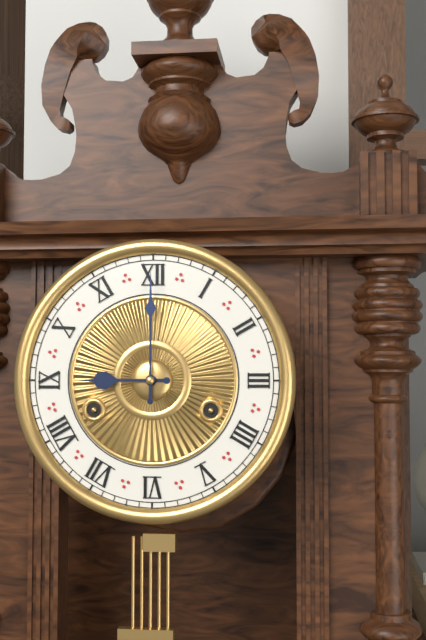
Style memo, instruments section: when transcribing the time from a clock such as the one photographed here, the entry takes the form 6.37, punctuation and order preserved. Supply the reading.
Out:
9.00
